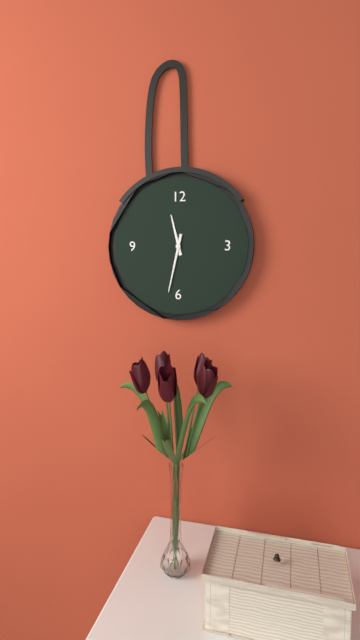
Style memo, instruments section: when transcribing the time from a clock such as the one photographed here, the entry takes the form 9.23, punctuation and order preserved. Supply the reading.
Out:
11.32
